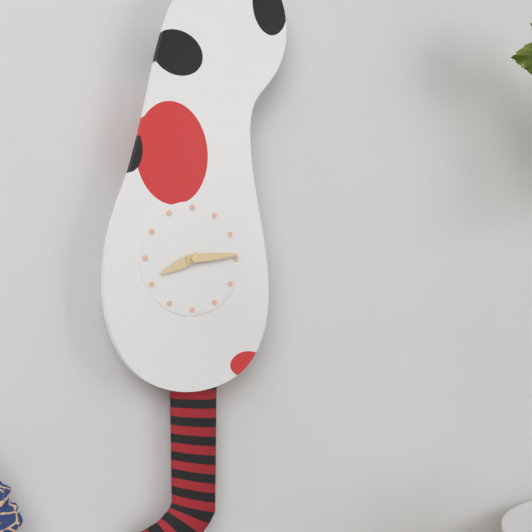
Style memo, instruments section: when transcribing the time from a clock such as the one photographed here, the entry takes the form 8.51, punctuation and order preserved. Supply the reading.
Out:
8.14
